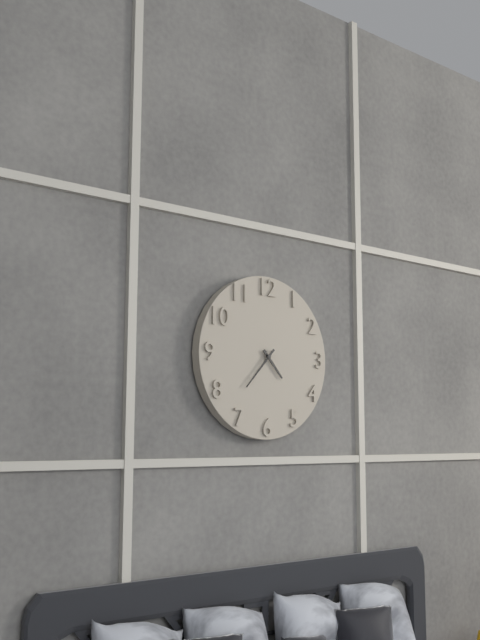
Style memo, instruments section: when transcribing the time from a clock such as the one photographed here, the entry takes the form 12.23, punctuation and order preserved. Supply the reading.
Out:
4.37
